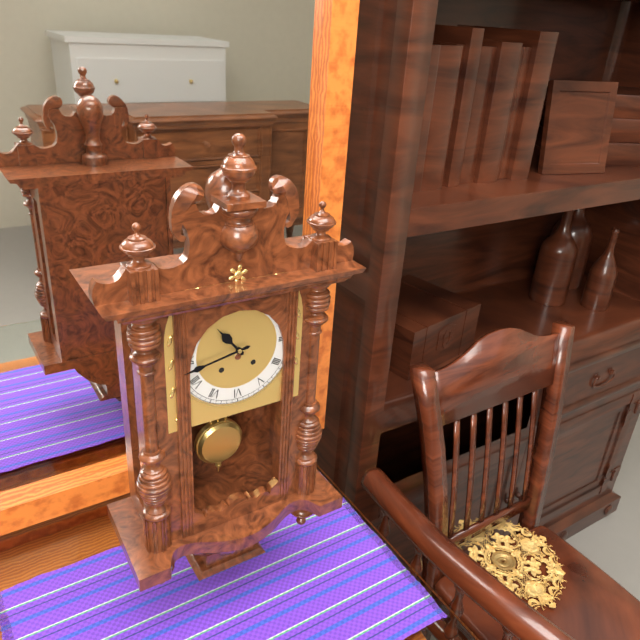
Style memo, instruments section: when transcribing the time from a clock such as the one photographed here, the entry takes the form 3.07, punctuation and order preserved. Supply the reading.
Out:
10.43
